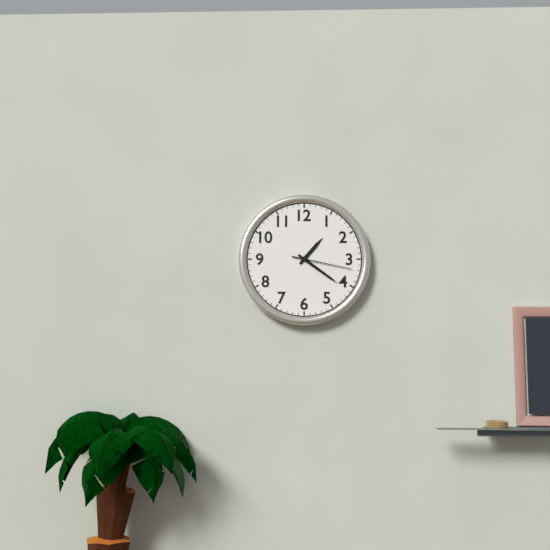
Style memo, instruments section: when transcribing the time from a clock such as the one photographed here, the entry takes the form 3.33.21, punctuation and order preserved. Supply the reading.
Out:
1.21.17
